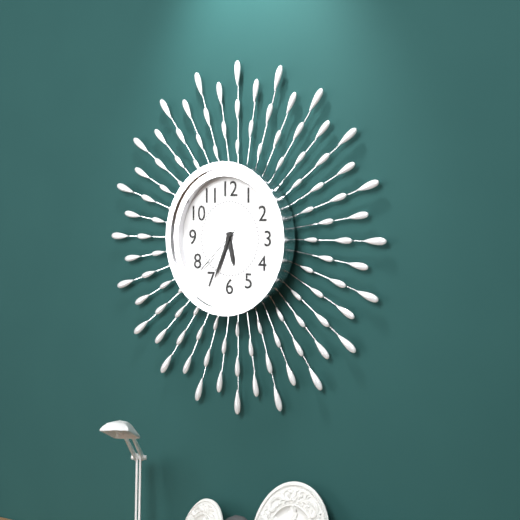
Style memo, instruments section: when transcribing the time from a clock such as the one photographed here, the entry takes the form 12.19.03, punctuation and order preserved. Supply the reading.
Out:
5.34.38
